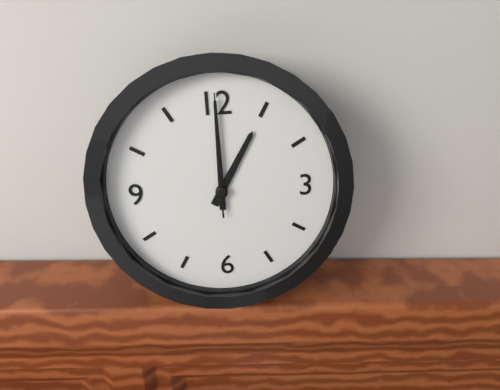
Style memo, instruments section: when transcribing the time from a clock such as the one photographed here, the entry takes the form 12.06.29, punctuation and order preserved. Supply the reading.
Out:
1.00.00
